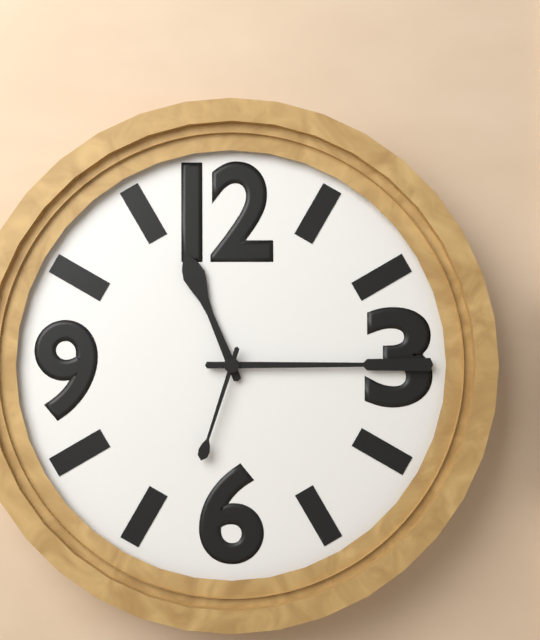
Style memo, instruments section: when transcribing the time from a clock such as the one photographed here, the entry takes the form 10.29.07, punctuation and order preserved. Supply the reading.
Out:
11.15.33
